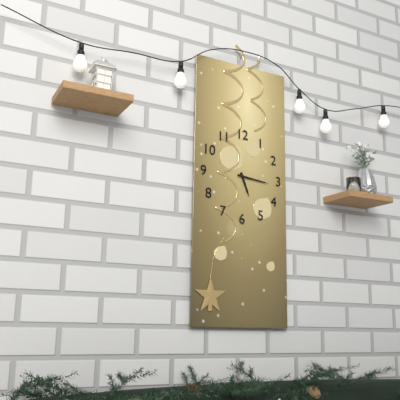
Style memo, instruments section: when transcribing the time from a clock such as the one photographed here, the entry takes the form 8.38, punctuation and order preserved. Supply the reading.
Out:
5.16
